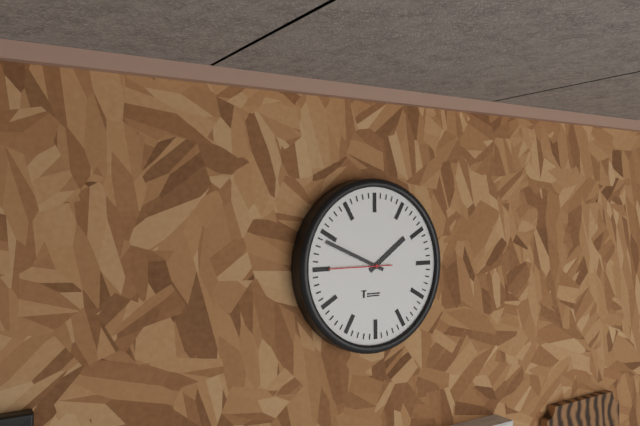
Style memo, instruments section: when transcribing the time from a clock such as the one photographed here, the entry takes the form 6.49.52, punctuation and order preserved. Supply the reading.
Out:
1.49.45
